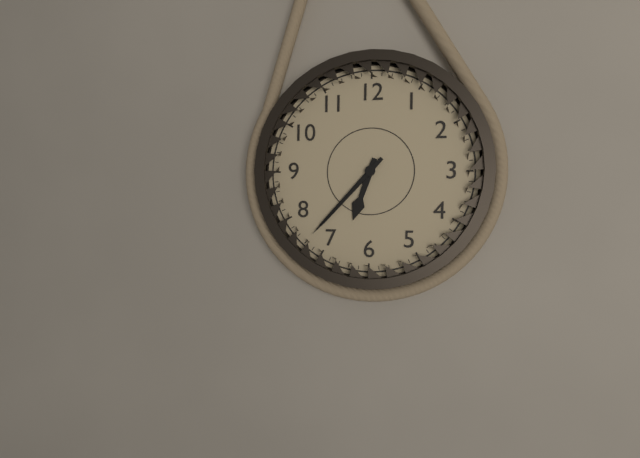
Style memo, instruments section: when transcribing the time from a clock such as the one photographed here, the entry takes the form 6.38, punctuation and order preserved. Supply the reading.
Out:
6.37
